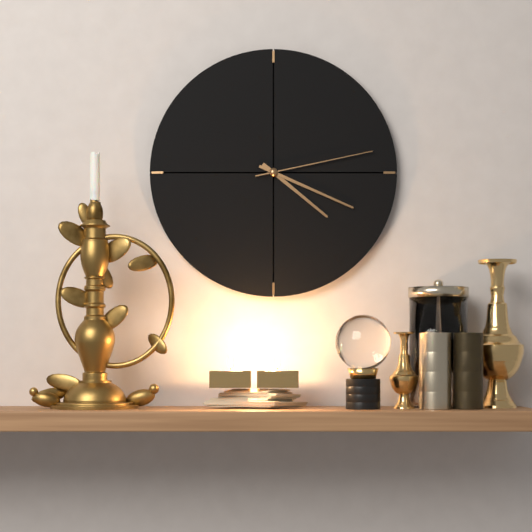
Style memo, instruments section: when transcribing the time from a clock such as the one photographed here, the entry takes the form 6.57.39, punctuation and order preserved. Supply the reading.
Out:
4.19.13
